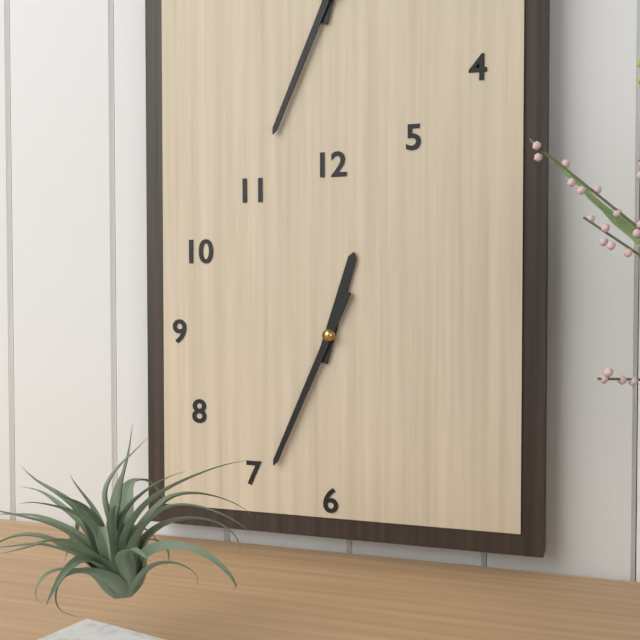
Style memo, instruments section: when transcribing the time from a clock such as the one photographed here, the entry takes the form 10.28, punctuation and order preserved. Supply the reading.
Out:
12.34
